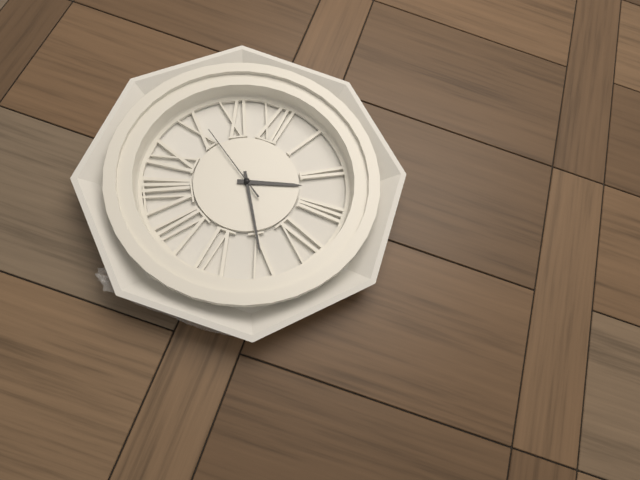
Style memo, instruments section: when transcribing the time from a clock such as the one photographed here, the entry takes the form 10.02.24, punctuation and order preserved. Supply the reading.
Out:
2.25.51
